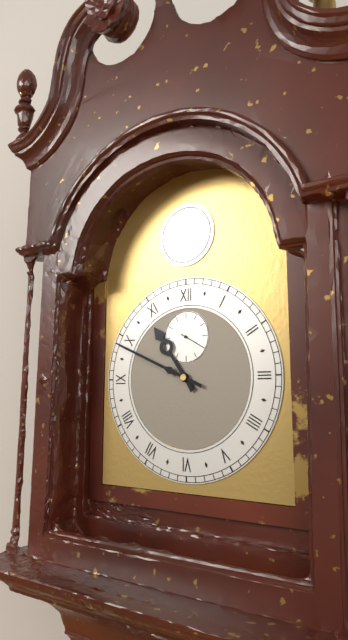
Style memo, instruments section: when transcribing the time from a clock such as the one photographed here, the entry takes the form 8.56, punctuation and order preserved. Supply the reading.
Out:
10.49
